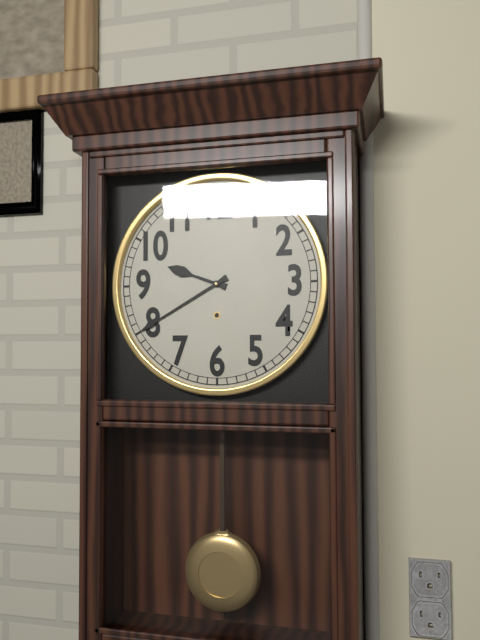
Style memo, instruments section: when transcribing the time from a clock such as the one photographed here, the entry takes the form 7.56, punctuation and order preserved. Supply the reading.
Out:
9.40
